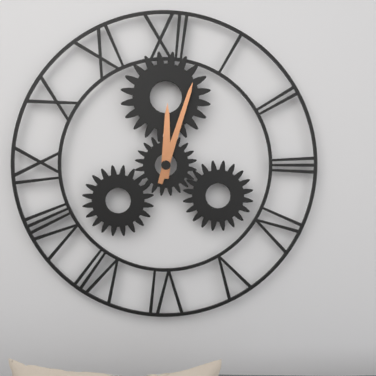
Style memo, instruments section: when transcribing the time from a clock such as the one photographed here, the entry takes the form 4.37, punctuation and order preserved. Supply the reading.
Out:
12.03
